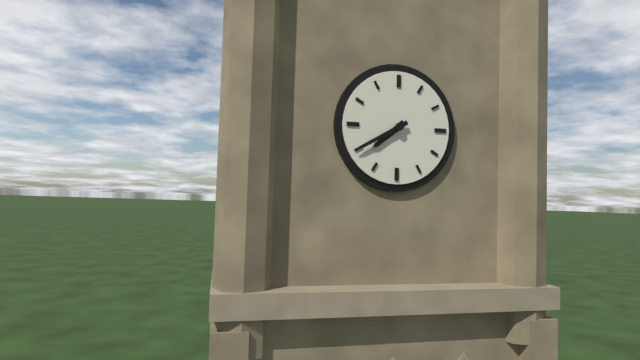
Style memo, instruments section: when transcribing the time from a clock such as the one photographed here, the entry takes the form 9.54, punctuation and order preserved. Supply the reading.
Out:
7.40
